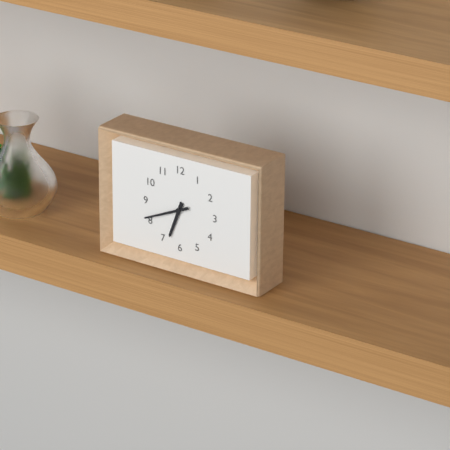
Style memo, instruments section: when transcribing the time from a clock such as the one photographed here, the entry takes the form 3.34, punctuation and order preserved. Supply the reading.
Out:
6.41
